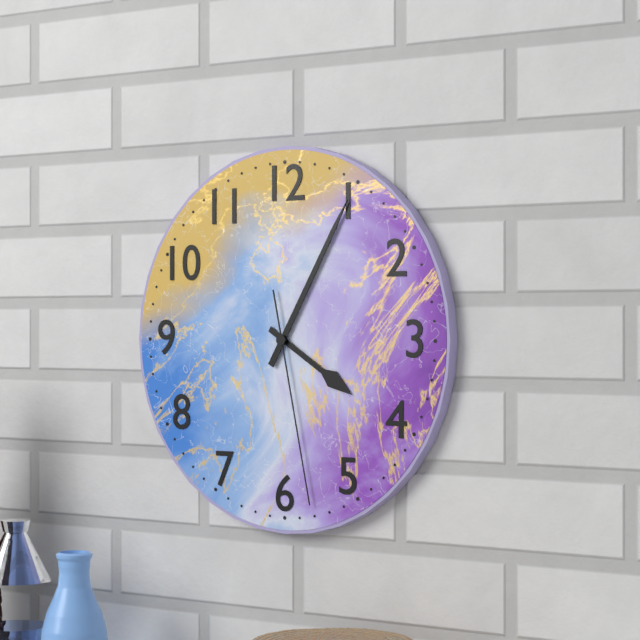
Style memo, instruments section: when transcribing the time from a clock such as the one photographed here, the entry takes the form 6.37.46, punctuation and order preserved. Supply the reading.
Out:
4.05.28
